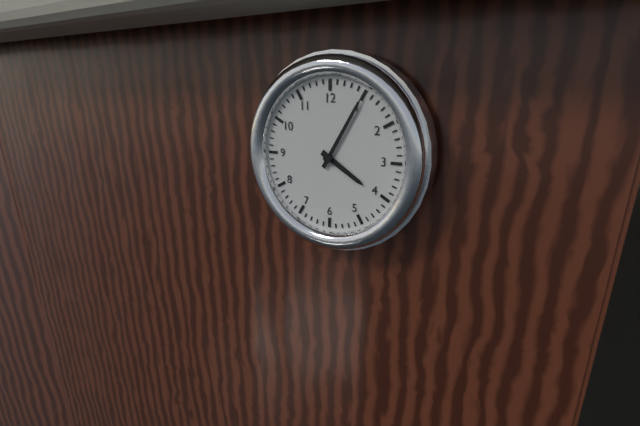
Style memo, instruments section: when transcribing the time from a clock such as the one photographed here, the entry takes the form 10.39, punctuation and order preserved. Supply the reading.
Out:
4.05
